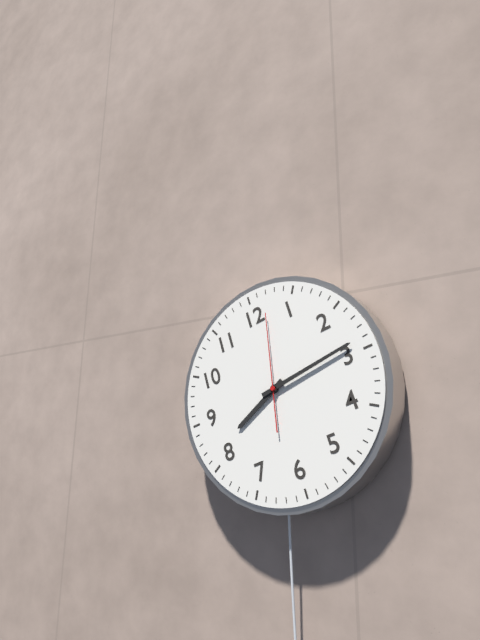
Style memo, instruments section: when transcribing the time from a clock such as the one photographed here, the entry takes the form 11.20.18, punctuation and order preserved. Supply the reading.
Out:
8.14.02
